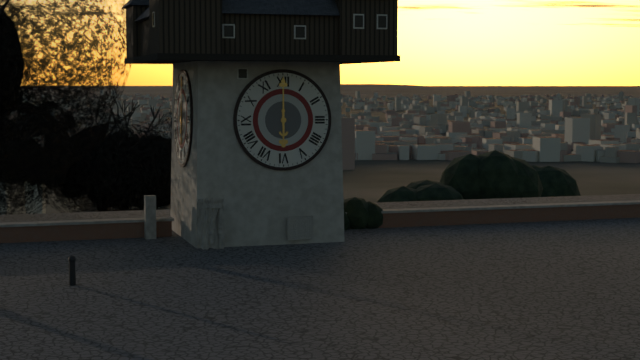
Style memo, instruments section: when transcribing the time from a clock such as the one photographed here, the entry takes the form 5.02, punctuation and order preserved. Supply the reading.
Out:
6.00
